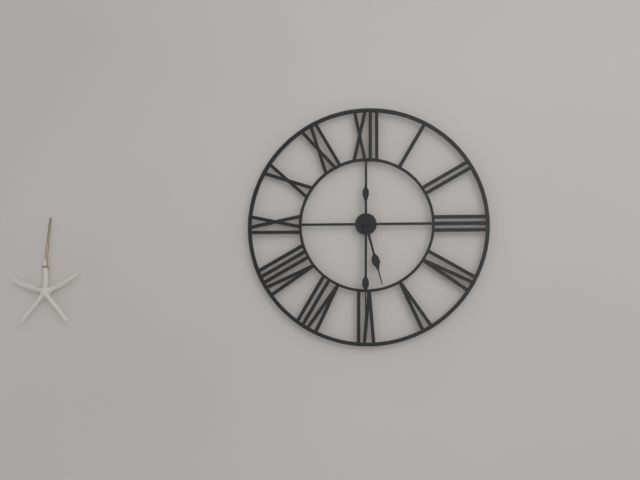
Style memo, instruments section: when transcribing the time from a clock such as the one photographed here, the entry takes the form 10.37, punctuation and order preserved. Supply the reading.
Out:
5.30
